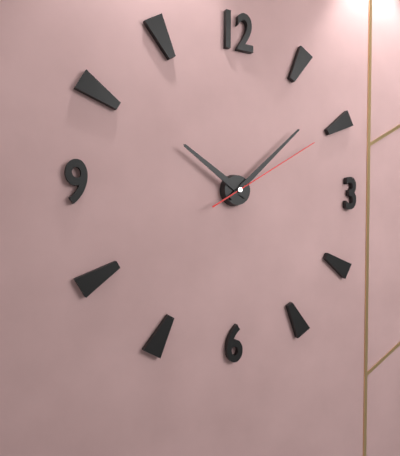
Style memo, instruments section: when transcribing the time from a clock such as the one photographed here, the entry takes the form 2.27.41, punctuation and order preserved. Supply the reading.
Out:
10.08.10
